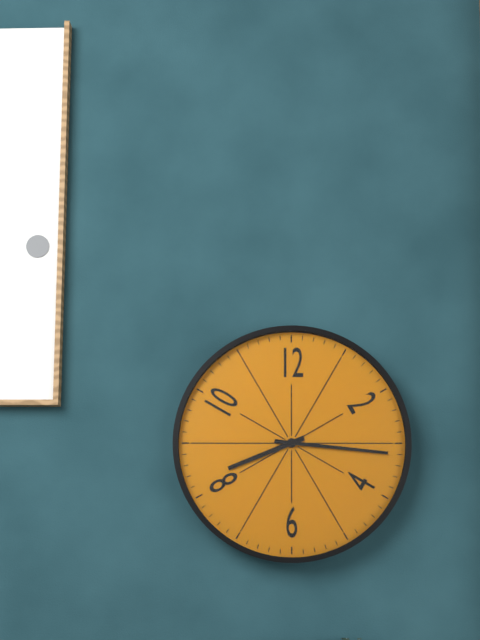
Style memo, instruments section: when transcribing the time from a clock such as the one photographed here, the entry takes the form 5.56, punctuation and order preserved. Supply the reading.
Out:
8.16
